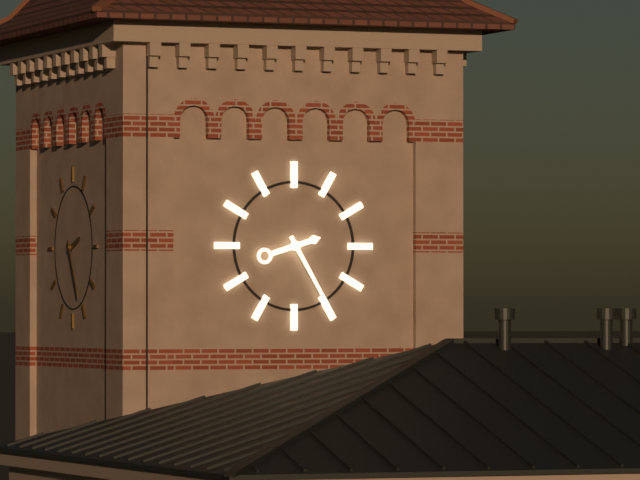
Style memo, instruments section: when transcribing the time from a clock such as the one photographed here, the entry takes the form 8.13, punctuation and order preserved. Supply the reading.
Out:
2.25
